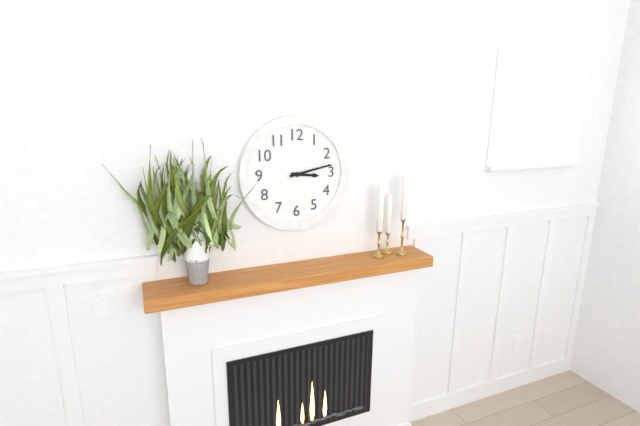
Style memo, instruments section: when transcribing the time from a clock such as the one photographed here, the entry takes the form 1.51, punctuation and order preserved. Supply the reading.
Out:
3.13
